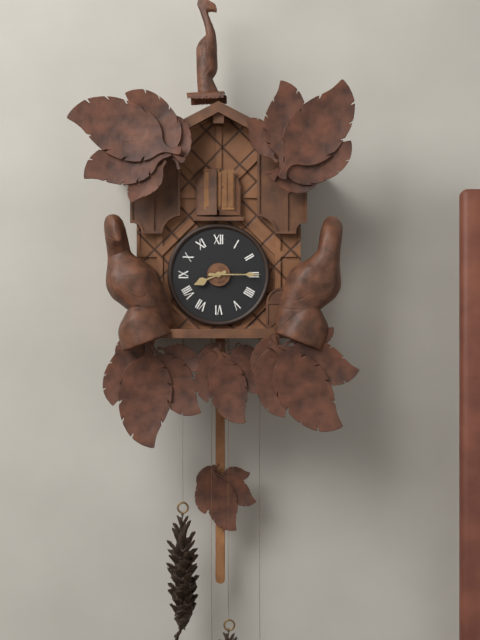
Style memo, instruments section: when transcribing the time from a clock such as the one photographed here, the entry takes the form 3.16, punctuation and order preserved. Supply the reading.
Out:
8.15
